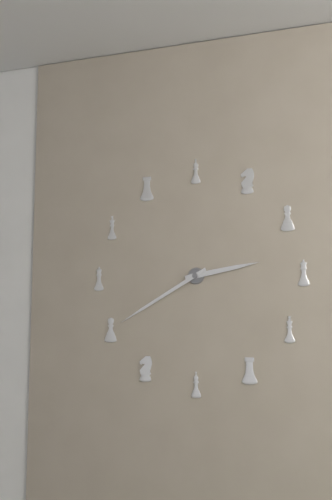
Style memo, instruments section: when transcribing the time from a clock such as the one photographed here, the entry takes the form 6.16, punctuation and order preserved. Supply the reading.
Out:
2.40
